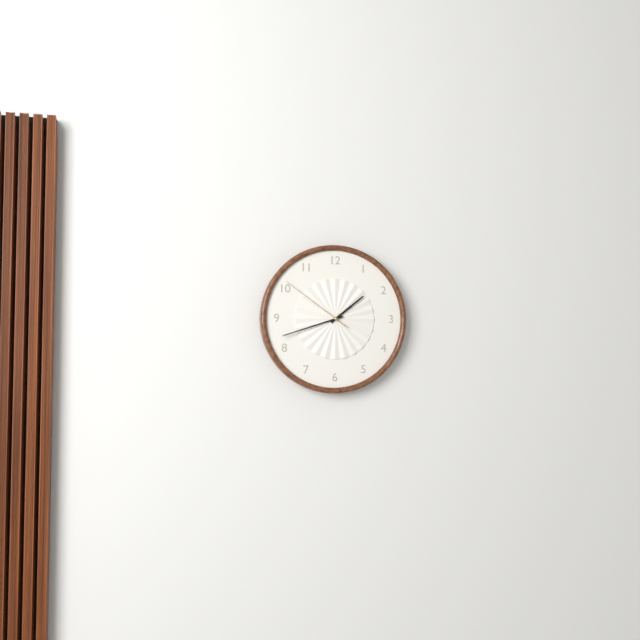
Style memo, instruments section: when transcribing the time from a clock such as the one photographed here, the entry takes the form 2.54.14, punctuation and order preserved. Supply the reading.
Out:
1.42.51
